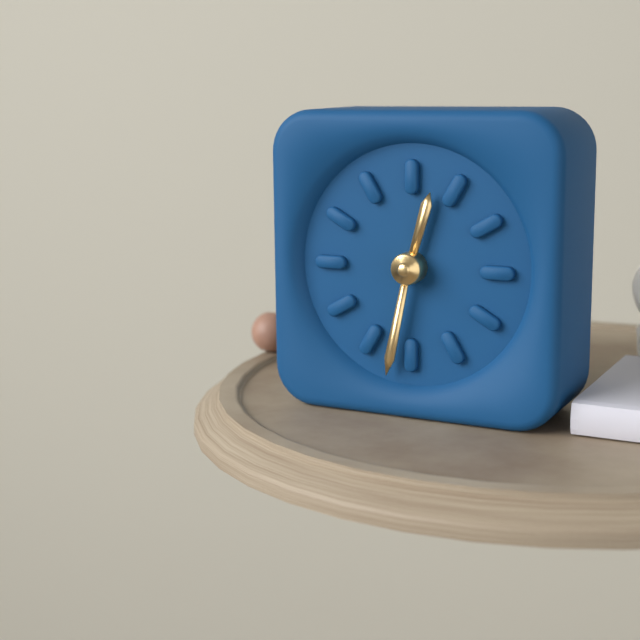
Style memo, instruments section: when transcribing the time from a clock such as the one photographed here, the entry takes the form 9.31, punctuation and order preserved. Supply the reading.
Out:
12.32
